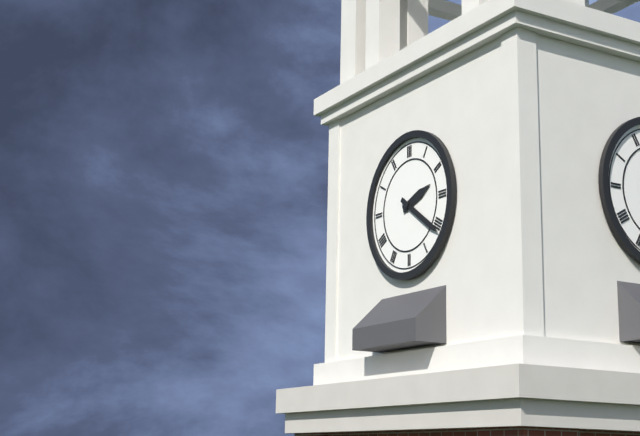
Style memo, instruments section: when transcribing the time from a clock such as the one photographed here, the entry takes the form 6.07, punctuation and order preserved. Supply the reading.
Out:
2.21
